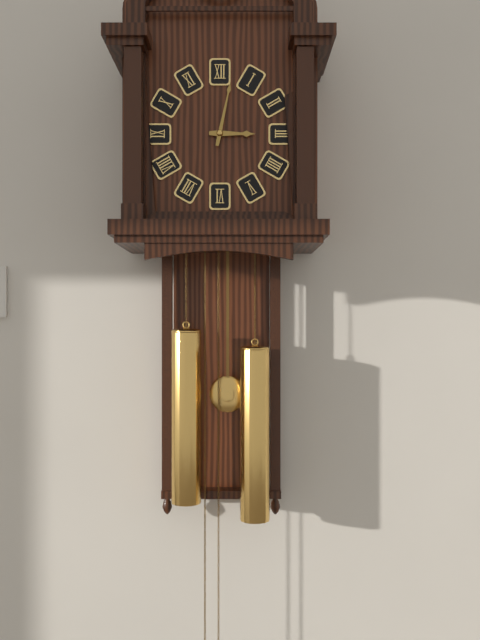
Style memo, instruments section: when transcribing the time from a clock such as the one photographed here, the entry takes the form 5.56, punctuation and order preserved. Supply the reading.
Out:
3.02
